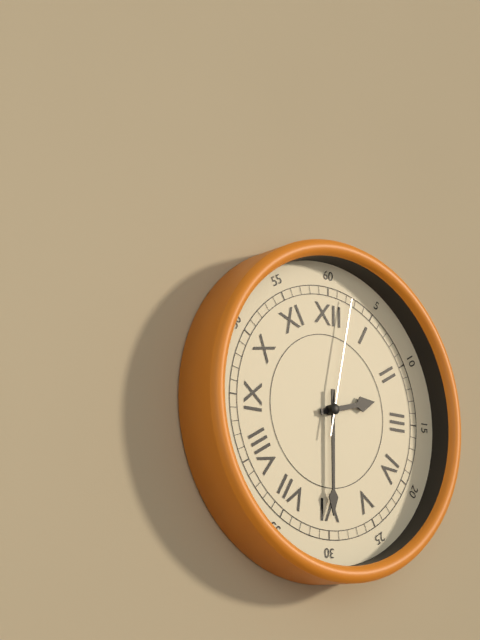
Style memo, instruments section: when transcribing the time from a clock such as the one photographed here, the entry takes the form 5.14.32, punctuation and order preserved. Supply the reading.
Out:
2.30.02
